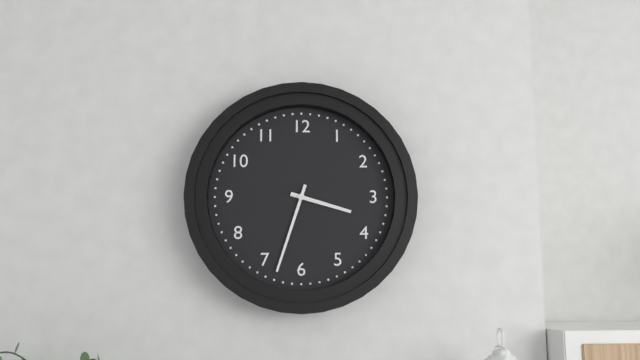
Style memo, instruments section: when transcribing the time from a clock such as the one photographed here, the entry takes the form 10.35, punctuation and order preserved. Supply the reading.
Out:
3.33
